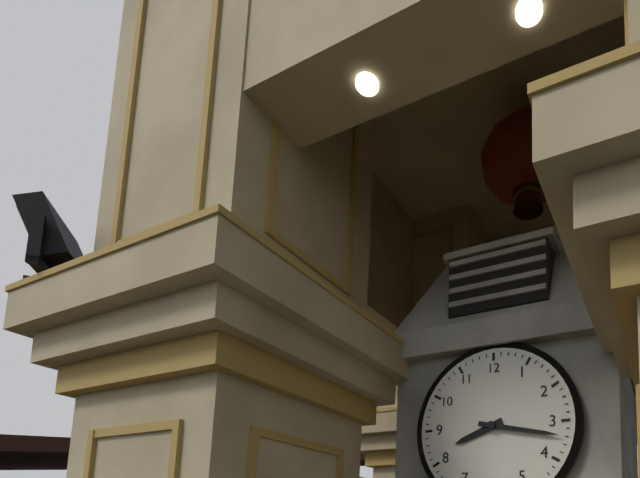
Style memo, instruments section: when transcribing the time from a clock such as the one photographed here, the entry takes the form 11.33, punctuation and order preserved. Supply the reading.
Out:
8.17
